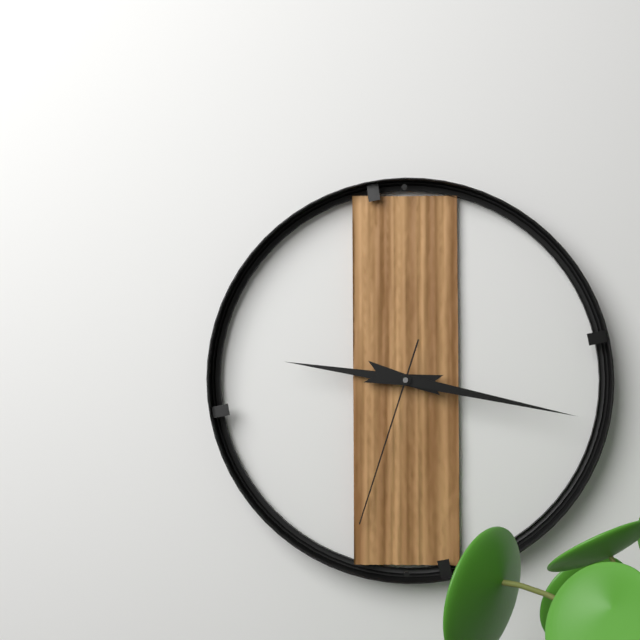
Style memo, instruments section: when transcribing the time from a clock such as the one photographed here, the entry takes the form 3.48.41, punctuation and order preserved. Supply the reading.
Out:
9.17.33
